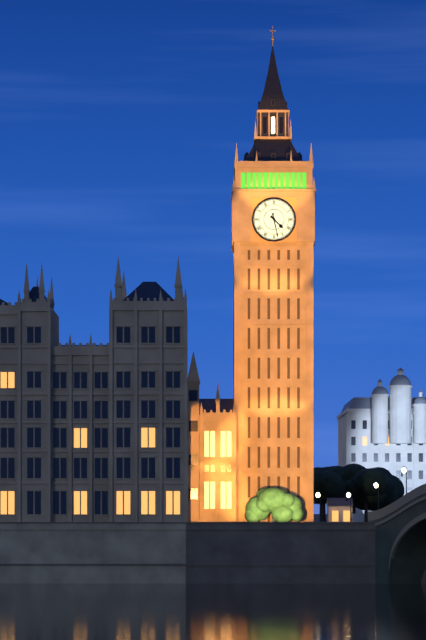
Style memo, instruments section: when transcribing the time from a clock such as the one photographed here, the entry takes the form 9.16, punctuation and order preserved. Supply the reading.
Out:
4.28
